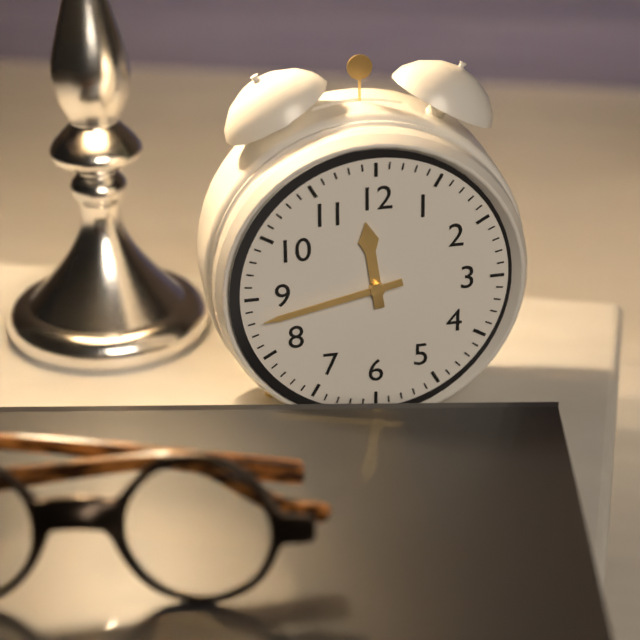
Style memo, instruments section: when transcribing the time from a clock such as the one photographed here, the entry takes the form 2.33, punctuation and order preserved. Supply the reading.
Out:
11.43
